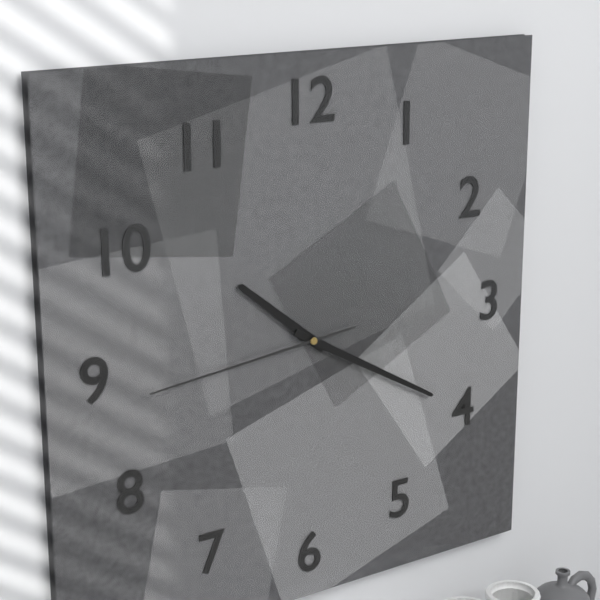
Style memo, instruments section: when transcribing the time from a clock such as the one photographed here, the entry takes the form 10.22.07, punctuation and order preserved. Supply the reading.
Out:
10.20.44
